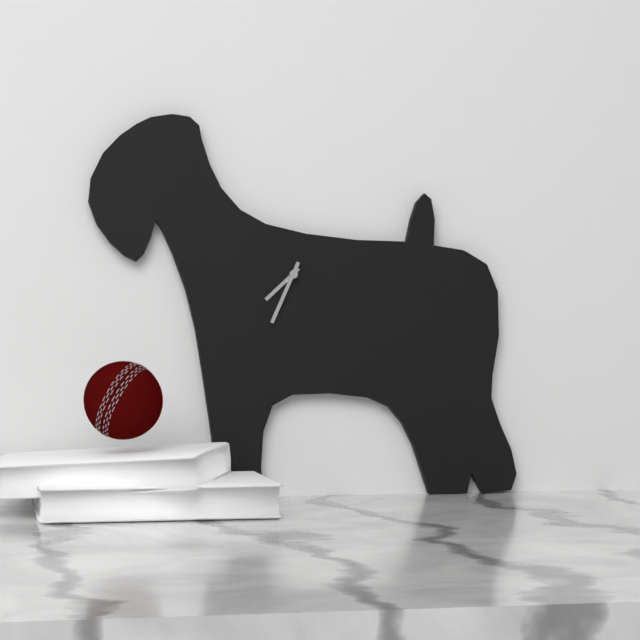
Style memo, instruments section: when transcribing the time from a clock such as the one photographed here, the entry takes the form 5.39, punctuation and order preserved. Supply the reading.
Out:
7.34
